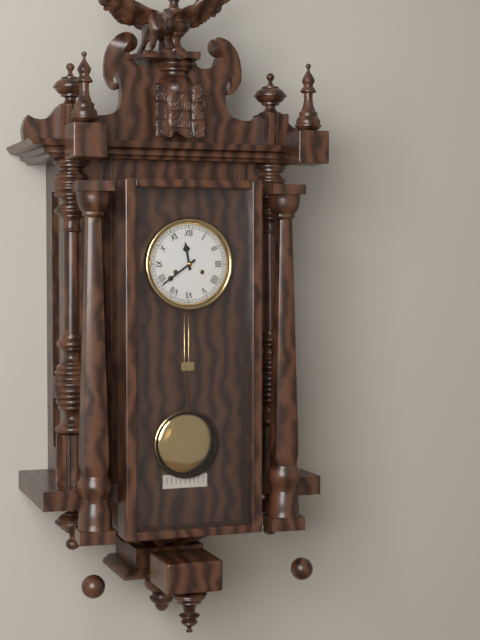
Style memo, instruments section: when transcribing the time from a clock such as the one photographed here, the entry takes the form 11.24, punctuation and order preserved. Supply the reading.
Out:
11.39
